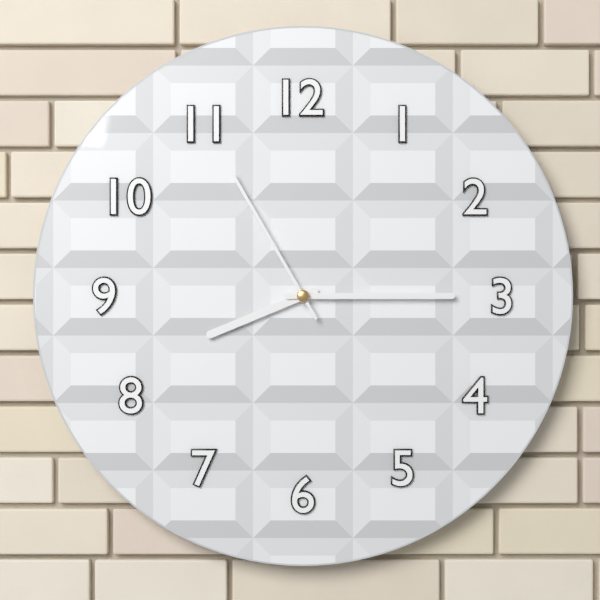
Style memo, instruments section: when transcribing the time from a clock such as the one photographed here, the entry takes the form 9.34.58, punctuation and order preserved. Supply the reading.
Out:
8.15.55
